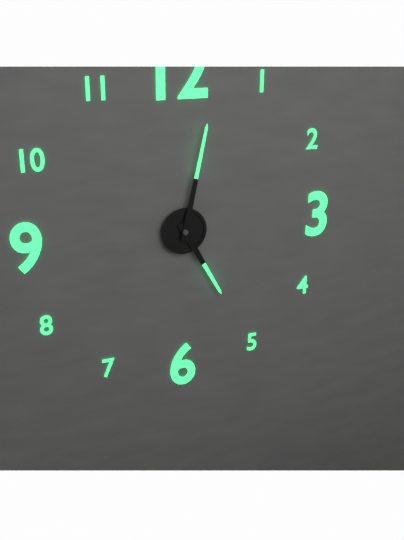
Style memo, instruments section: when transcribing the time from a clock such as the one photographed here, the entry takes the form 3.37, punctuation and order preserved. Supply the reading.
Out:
5.02
